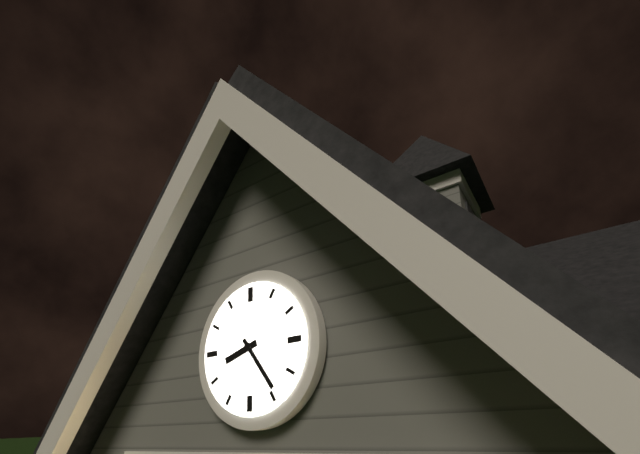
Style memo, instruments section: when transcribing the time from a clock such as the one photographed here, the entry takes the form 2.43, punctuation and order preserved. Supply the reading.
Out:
8.24
